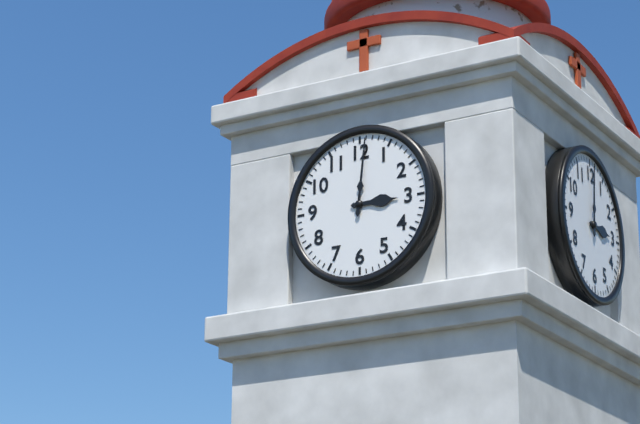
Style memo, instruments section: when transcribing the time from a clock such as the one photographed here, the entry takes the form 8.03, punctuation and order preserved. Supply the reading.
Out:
3.01
